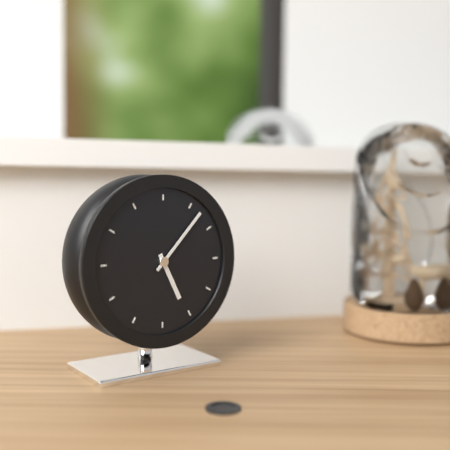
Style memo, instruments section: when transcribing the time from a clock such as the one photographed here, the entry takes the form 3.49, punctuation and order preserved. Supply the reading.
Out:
5.07
